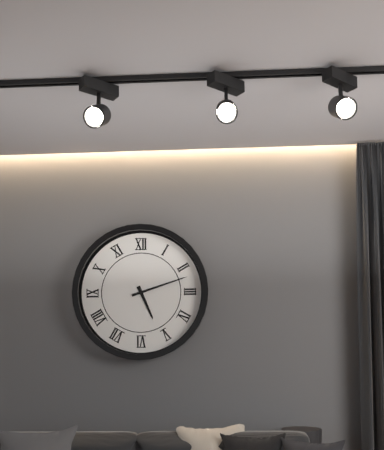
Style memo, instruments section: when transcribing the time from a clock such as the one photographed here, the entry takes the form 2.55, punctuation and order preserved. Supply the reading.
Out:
5.12
